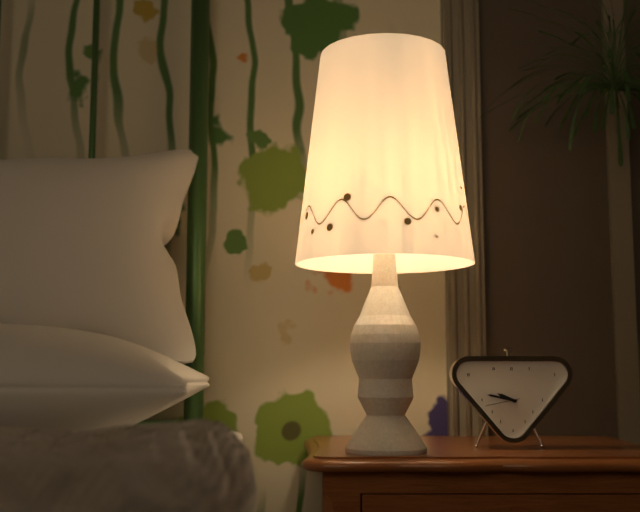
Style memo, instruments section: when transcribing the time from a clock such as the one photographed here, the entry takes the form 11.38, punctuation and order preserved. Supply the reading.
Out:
9.47
